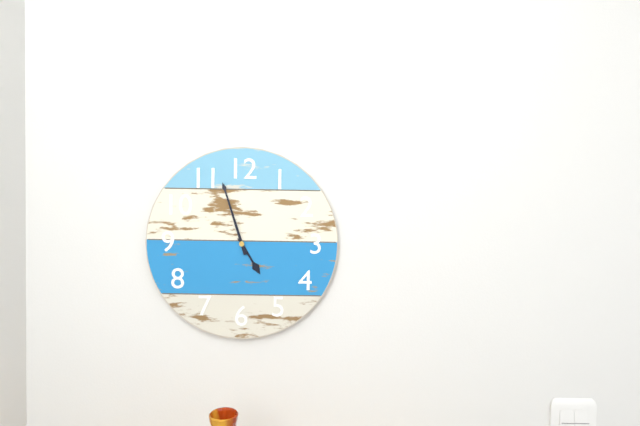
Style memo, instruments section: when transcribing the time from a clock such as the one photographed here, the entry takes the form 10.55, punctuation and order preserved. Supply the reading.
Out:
4.57
